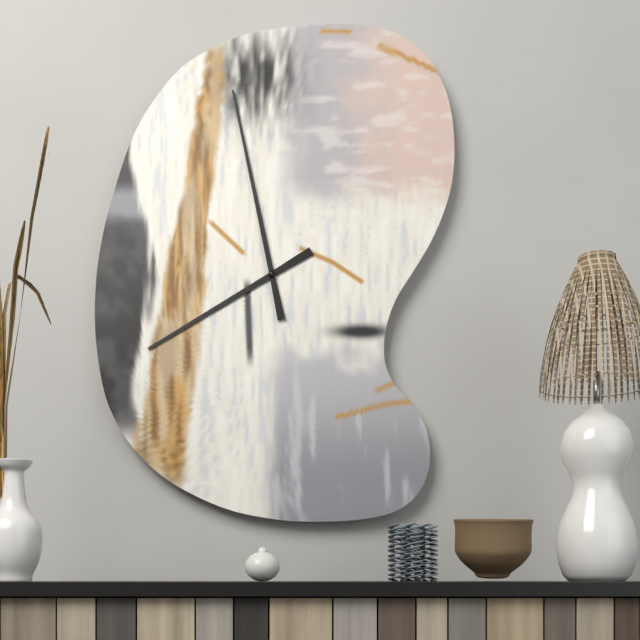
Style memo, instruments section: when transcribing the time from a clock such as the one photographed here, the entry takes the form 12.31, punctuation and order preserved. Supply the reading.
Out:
7.58
